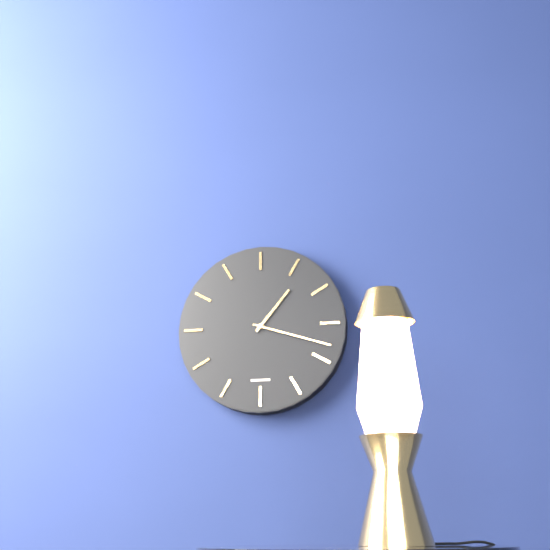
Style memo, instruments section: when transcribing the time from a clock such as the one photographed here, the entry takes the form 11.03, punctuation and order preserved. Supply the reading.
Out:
1.18
